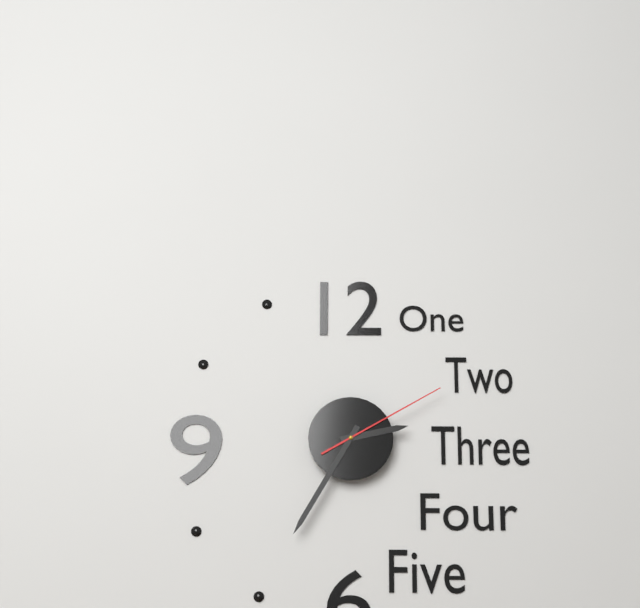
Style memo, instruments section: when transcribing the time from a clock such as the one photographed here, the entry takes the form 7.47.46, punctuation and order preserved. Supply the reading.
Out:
2.35.10
